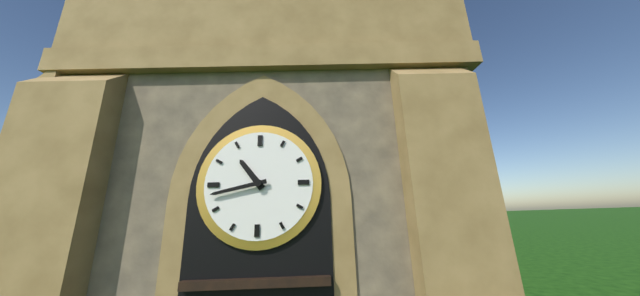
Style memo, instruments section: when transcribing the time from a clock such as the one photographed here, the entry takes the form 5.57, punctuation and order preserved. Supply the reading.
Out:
10.43
